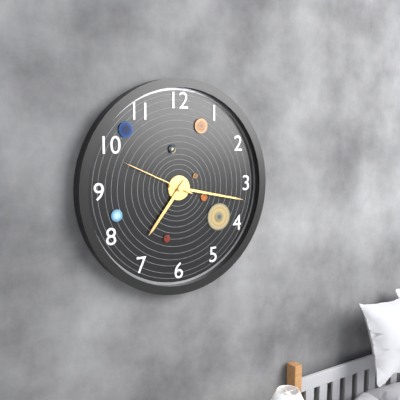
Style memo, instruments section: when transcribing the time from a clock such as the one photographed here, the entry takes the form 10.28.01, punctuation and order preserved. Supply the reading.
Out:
7.17.49
